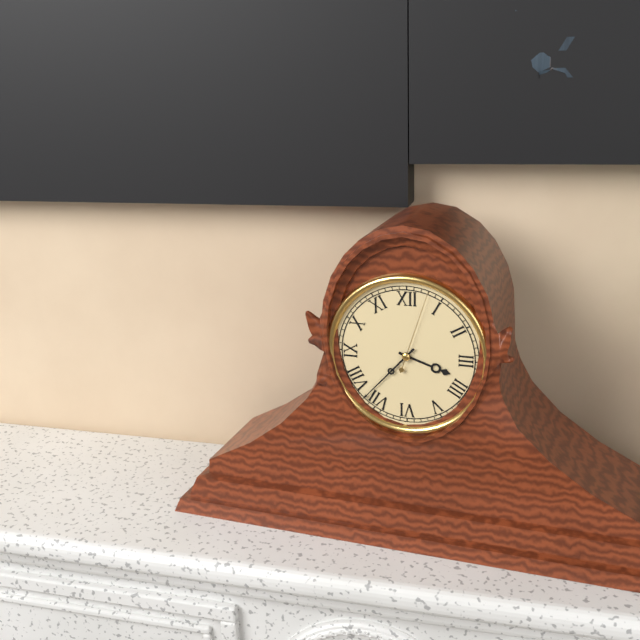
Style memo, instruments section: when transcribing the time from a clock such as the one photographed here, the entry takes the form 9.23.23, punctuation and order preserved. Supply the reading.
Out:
3.37.03
